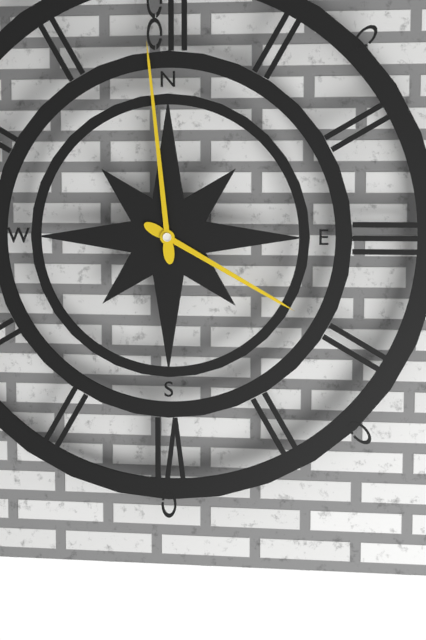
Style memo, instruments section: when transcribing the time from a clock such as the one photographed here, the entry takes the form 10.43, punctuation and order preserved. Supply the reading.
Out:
3.59
